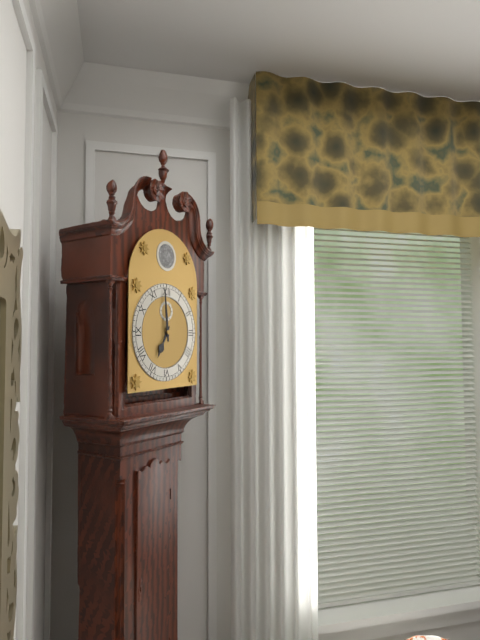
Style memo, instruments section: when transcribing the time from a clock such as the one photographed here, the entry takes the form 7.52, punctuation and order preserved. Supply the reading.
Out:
6.59
